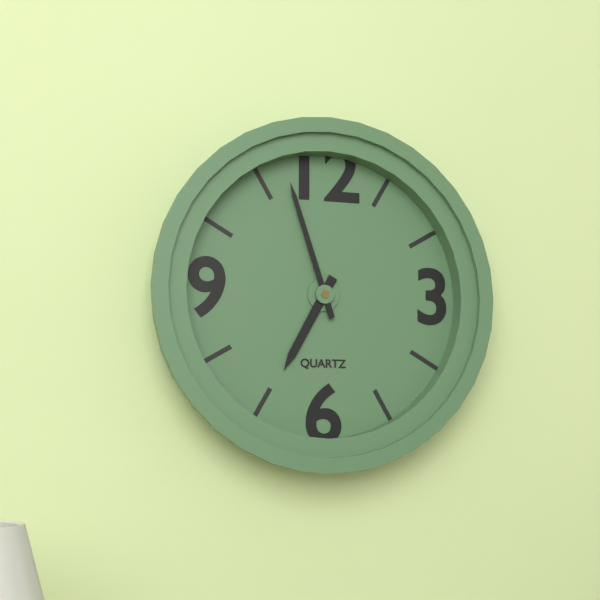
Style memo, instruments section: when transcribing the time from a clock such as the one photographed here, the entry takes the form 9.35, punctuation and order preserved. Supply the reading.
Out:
6.57
